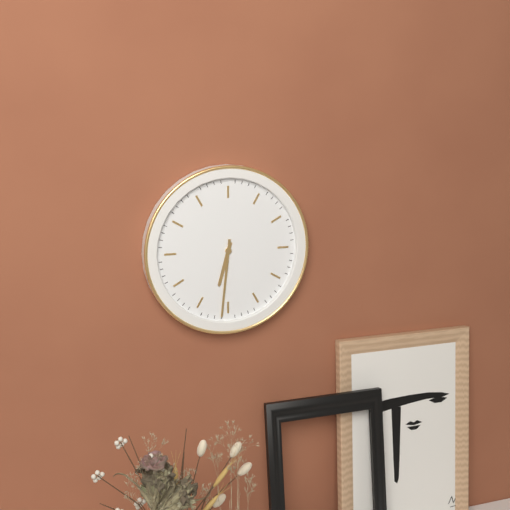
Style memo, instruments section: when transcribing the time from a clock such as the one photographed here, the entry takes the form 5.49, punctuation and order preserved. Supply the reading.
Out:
6.31
